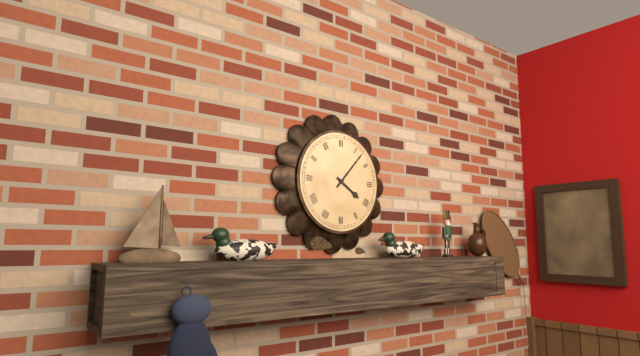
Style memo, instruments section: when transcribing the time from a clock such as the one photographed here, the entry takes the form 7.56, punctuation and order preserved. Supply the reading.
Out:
4.07
